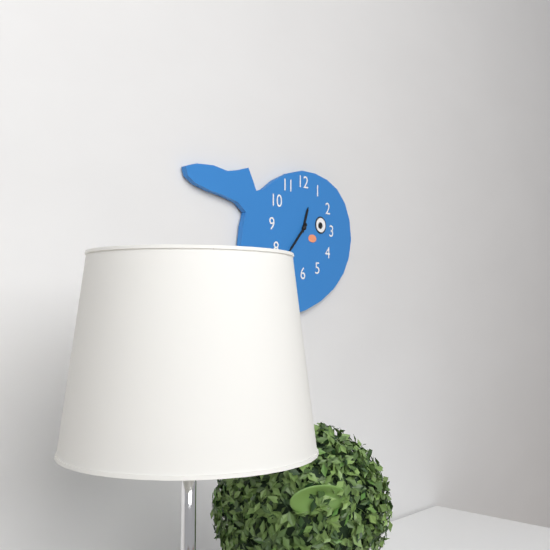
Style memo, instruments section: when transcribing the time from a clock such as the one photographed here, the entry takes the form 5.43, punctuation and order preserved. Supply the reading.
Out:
12.37
